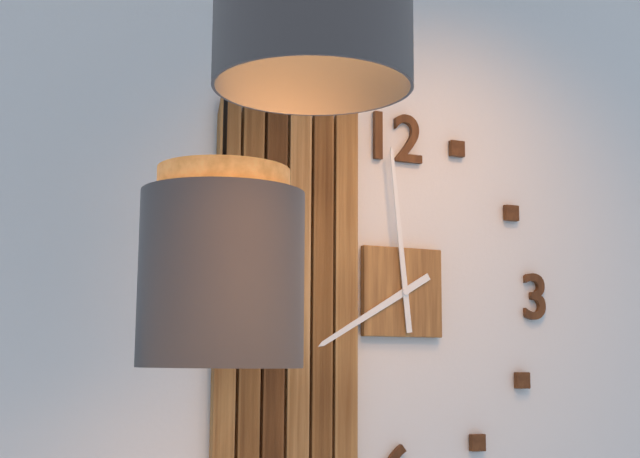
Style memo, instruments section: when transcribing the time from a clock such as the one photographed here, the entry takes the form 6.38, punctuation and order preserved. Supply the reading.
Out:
7.59
